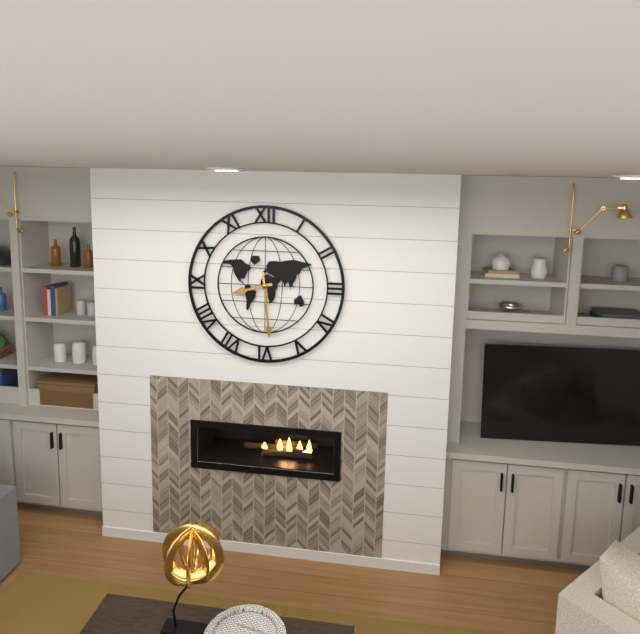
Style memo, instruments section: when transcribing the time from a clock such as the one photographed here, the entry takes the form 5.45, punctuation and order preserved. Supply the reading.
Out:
8.29
